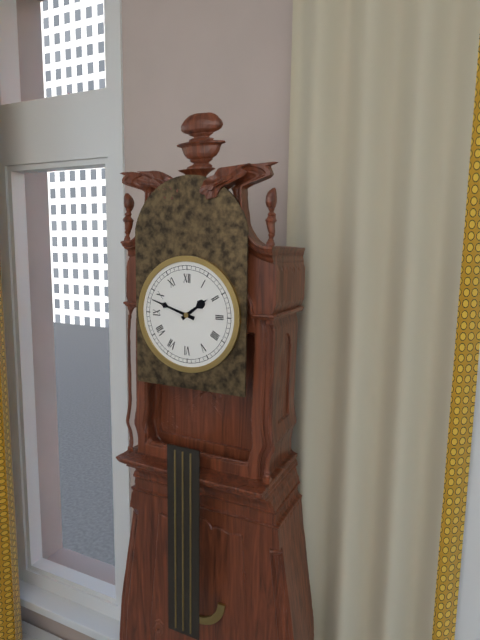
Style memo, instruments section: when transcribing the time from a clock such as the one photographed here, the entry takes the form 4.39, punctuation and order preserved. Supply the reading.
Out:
1.48
